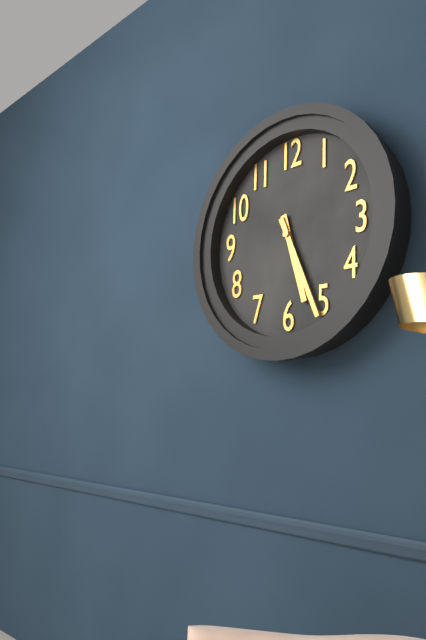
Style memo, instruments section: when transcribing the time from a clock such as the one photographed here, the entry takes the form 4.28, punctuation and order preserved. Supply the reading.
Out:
5.26
